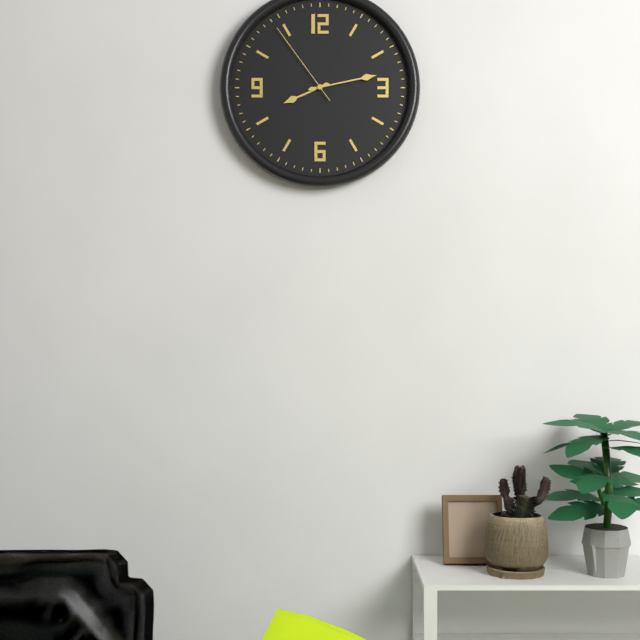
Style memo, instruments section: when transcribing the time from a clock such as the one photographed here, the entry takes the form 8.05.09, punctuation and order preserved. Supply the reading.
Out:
8.13.54
